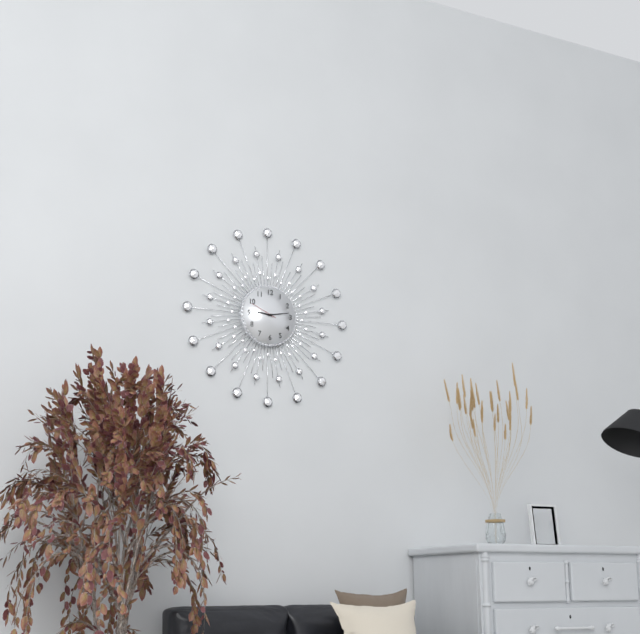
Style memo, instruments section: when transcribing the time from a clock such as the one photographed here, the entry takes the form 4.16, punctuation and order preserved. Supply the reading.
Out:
9.13
